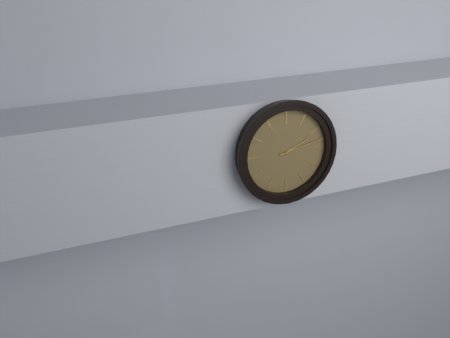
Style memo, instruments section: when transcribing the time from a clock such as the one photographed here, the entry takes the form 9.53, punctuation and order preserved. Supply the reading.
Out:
2.13
